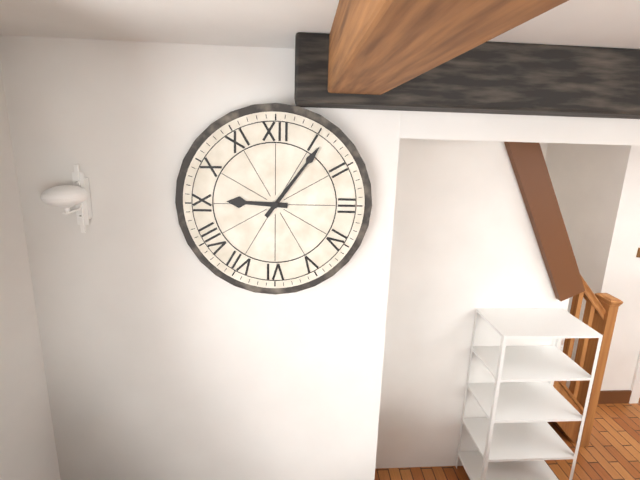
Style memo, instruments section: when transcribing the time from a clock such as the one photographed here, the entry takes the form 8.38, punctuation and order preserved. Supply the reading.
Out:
9.06
